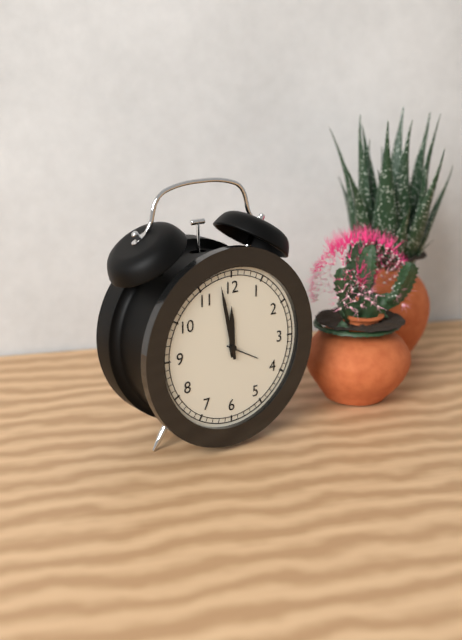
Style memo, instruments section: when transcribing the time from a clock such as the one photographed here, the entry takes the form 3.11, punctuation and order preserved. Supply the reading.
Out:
11.58
